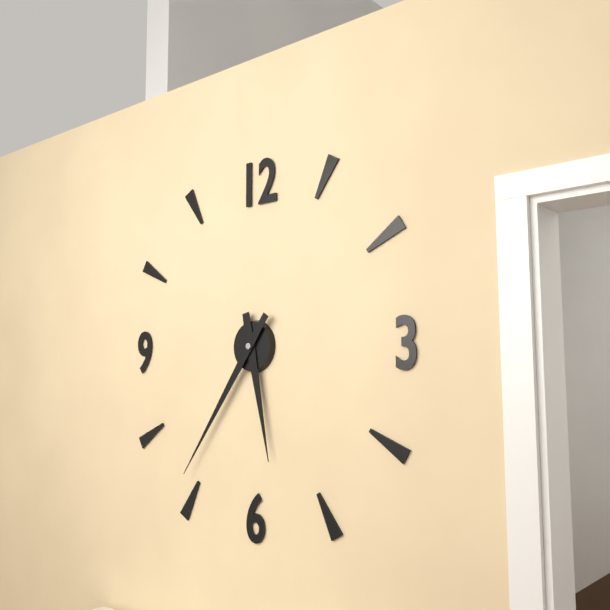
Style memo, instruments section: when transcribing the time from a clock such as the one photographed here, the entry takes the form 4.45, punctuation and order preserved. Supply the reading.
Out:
5.36
